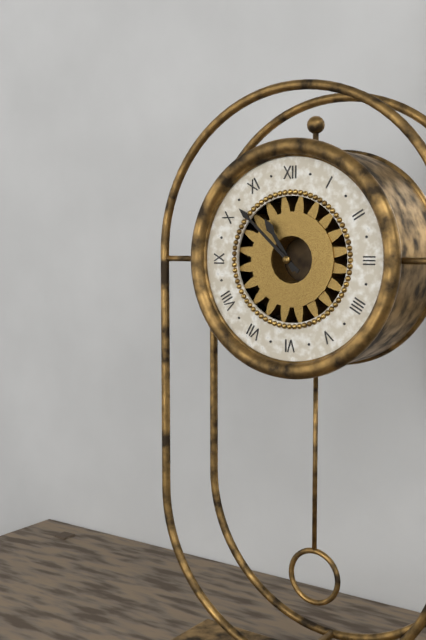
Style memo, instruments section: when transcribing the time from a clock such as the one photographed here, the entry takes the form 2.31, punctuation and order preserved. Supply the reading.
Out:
10.52
